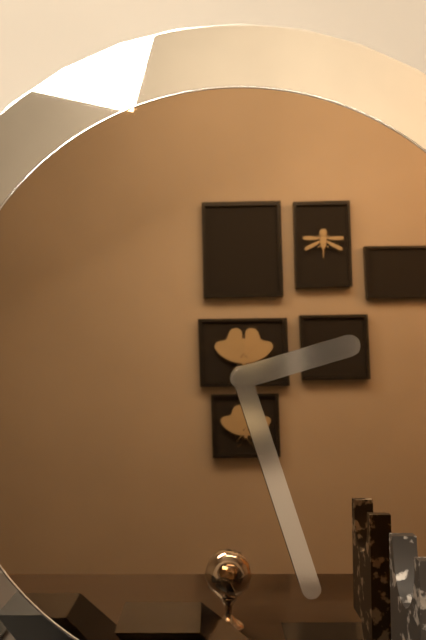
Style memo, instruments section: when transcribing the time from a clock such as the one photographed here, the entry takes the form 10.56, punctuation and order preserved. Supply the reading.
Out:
2.27
